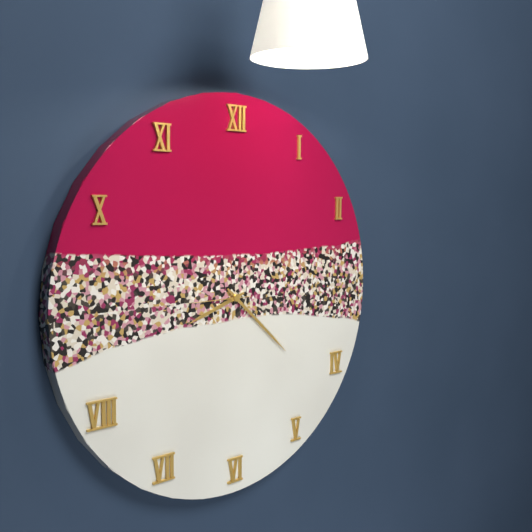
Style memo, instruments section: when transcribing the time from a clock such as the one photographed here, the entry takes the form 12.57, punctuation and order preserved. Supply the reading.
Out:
8.22
